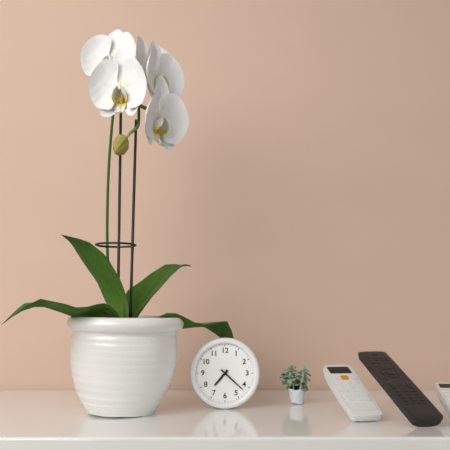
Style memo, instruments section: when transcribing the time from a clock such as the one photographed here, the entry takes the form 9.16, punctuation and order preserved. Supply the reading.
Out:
7.22
